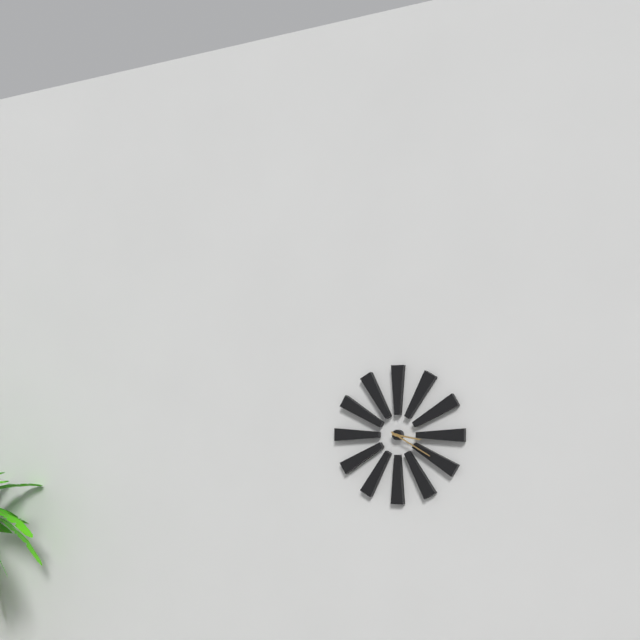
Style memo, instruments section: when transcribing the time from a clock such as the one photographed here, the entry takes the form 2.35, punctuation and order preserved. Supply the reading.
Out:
3.20
